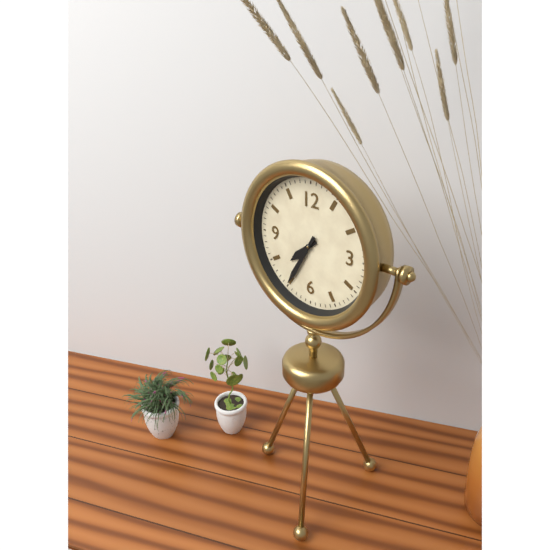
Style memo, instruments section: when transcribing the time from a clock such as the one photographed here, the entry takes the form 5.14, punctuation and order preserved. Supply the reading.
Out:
7.35
